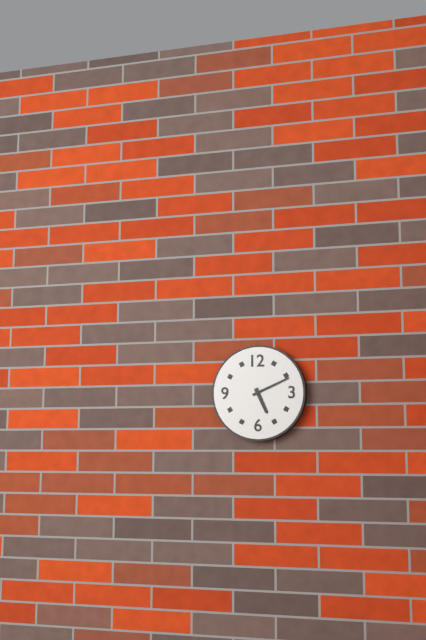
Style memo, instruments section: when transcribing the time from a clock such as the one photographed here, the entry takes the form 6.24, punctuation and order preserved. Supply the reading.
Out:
5.11
